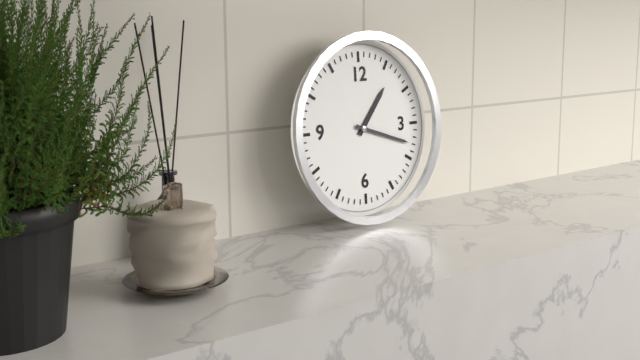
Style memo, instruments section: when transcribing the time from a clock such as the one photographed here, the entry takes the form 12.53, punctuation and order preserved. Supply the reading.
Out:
1.18
